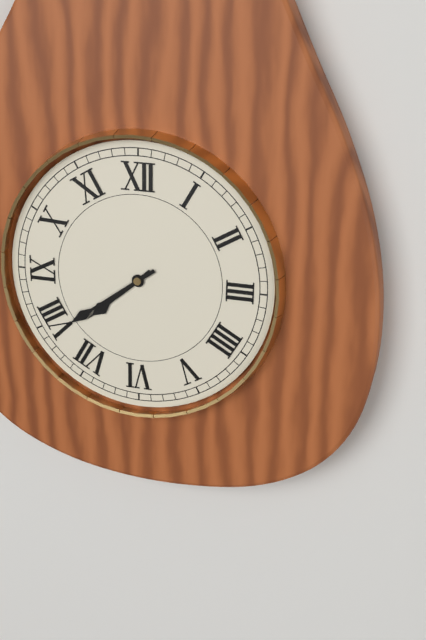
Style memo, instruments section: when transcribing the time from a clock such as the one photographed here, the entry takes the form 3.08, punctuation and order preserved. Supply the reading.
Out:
7.39
